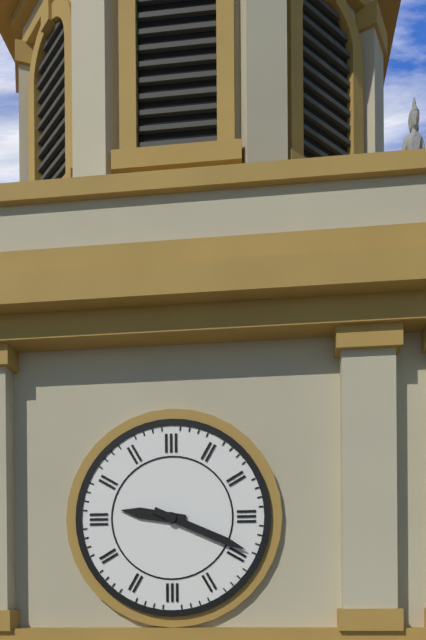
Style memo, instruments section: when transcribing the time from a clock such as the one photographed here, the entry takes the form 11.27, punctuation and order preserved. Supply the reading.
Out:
9.19
